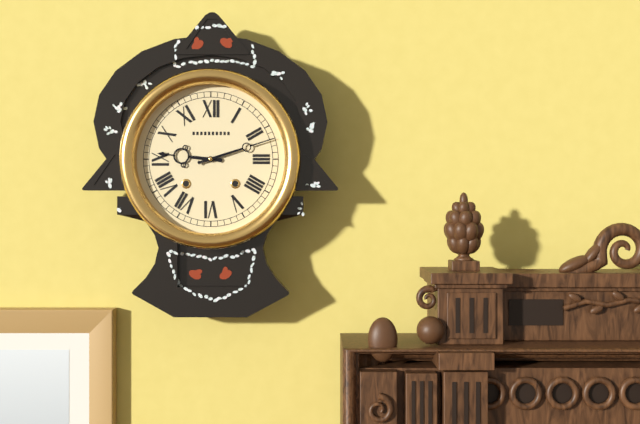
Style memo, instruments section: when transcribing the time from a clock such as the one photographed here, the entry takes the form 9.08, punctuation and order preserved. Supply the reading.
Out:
9.12
